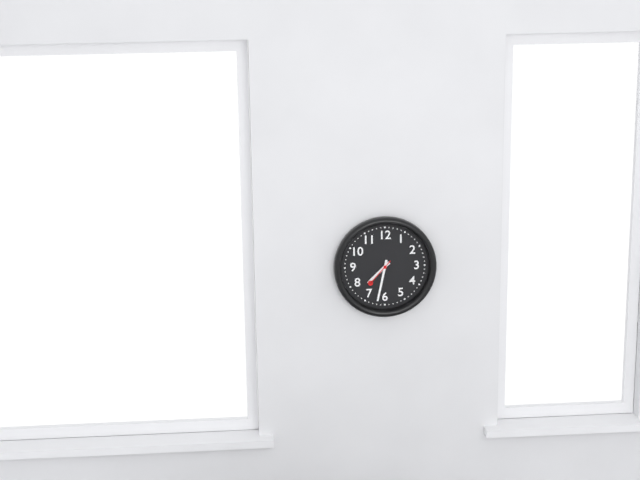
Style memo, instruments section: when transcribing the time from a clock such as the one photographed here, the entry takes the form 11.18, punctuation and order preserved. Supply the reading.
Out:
7.32
